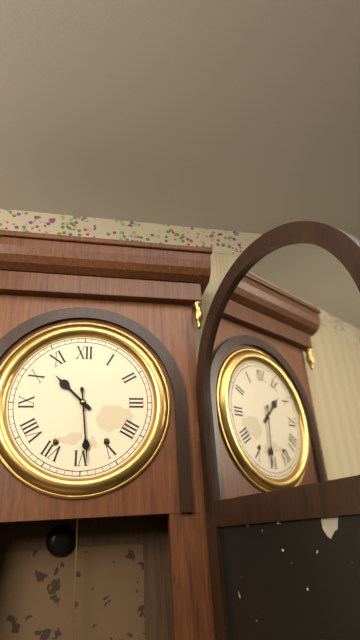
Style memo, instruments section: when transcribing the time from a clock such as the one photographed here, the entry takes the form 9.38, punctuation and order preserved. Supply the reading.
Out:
10.29
